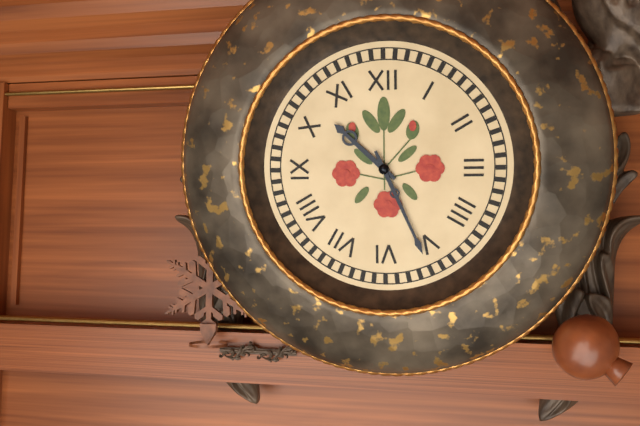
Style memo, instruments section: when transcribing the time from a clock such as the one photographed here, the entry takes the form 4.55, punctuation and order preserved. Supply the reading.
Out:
10.26
